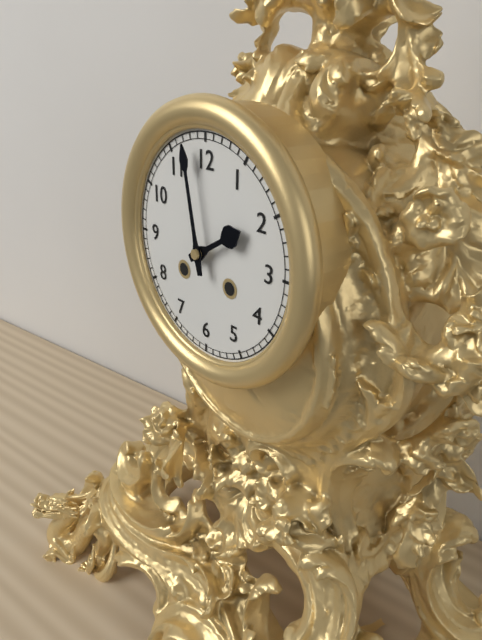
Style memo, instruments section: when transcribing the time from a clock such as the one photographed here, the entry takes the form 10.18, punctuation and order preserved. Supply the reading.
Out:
1.58
